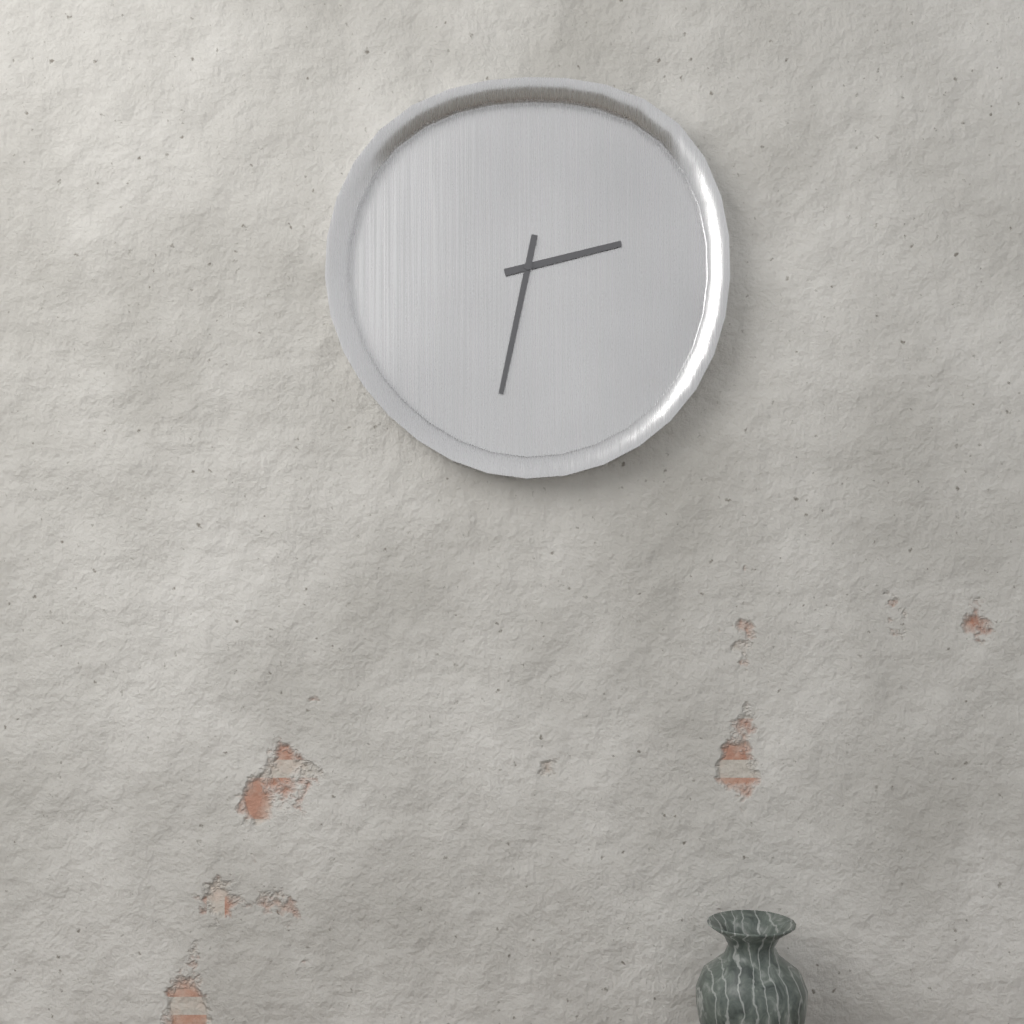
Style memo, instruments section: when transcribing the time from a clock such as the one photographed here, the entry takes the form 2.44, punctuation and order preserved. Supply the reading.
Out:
2.32
